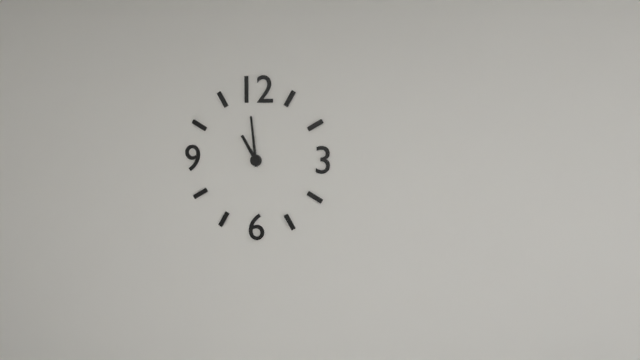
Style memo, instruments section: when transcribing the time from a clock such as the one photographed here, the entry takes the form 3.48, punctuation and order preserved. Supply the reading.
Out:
10.59
